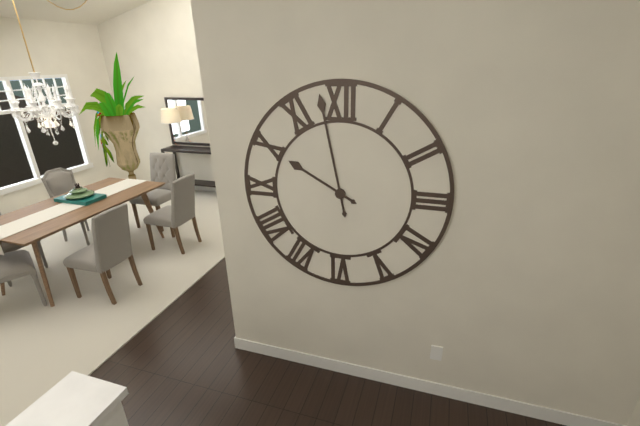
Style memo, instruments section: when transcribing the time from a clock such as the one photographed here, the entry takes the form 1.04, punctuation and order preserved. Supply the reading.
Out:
9.58
